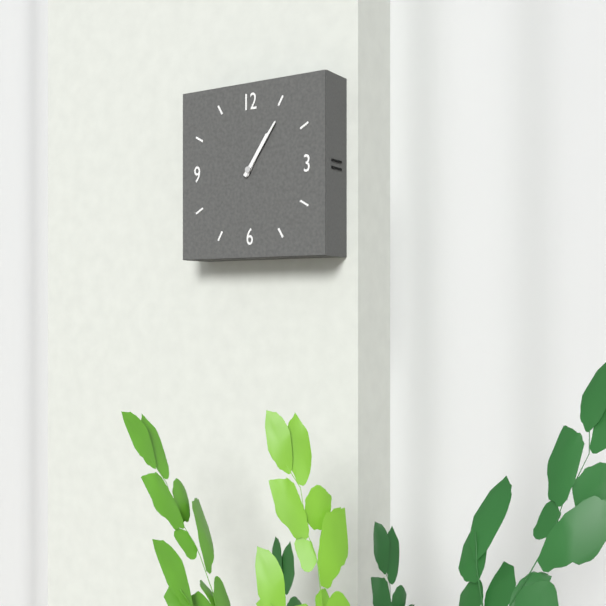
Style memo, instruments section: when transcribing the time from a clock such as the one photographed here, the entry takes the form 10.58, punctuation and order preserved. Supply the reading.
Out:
1.06
